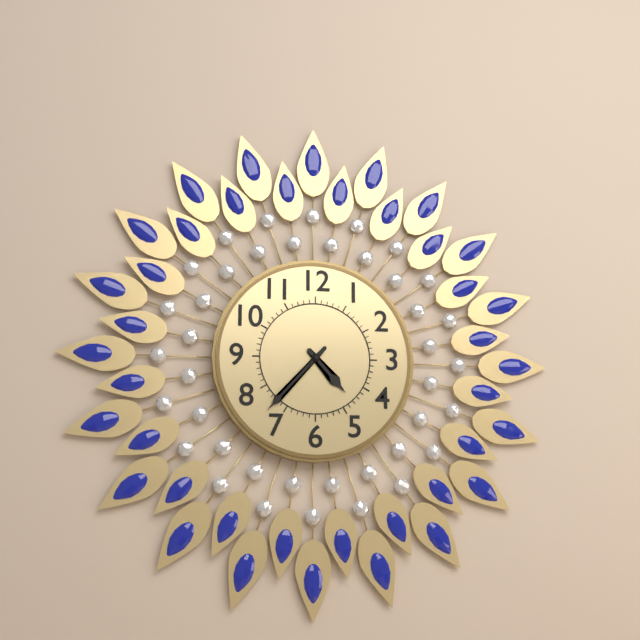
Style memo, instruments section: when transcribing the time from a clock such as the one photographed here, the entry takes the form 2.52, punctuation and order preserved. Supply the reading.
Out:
4.37
